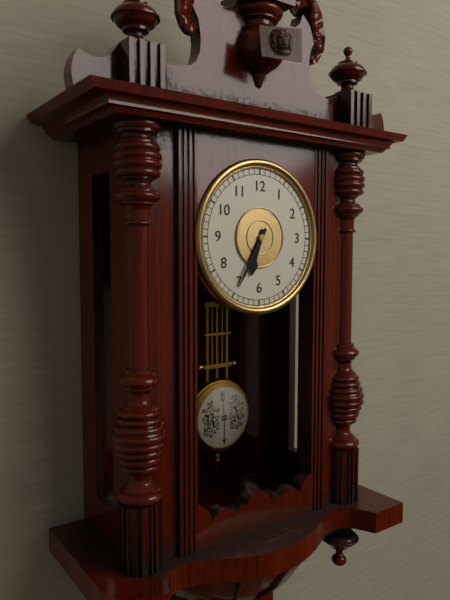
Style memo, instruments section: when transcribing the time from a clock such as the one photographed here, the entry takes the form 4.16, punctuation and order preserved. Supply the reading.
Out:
6.35
